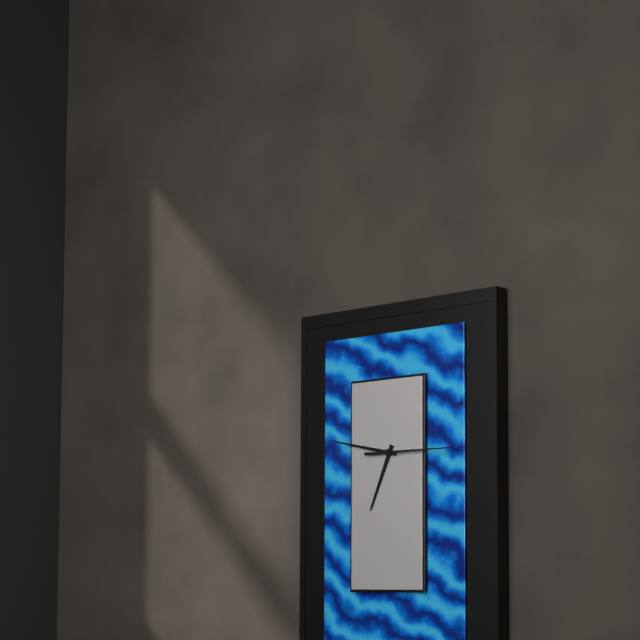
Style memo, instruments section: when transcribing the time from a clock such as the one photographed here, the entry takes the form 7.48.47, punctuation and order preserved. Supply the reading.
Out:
6.47.15
